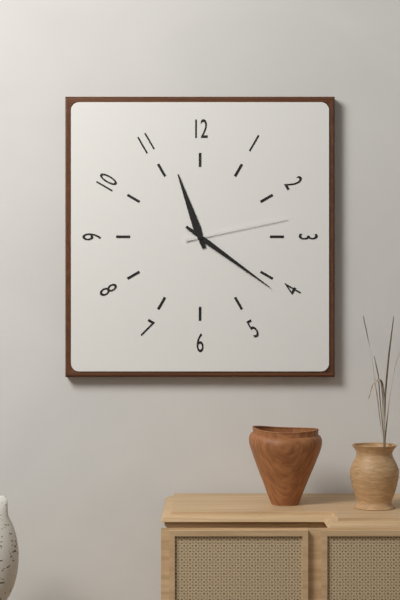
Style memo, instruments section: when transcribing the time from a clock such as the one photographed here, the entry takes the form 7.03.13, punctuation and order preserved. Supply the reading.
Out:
11.21.13
